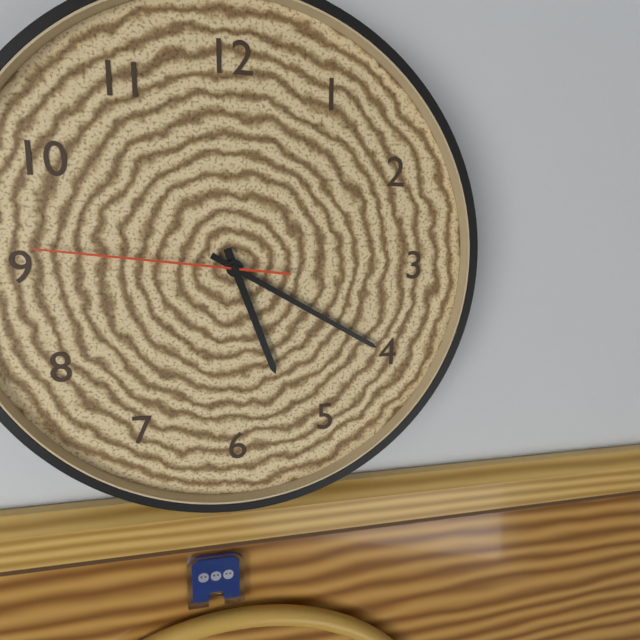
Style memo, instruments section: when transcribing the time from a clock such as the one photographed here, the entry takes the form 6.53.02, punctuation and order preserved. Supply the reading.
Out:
5.20.46
